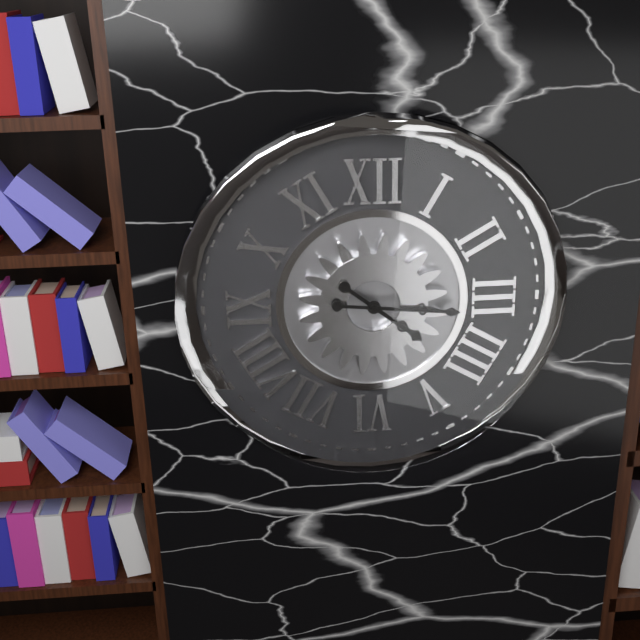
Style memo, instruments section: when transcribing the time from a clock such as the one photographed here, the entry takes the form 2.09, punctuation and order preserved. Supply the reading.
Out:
4.16
